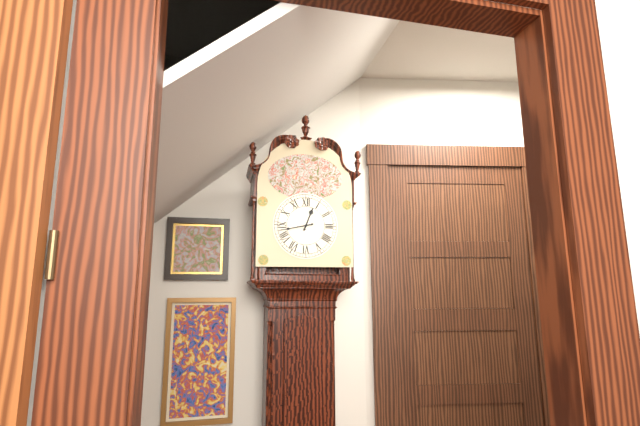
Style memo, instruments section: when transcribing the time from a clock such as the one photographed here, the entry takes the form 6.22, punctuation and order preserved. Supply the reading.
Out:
12.43
